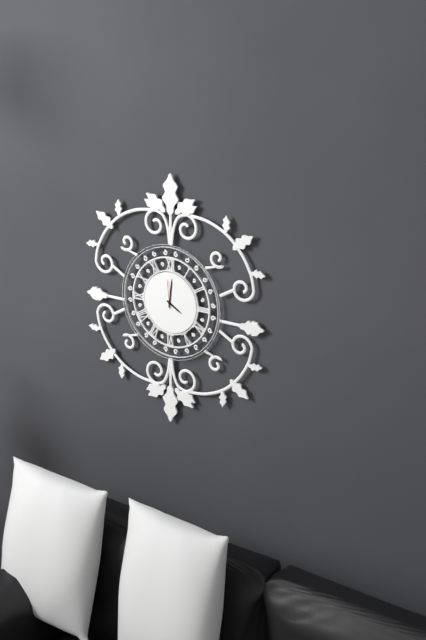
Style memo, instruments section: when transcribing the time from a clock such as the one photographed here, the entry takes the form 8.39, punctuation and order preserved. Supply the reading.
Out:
4.01
